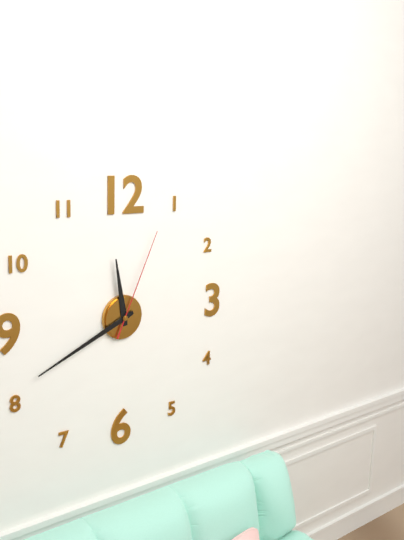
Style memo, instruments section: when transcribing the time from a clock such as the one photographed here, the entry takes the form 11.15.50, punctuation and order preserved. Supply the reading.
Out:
11.41.04
